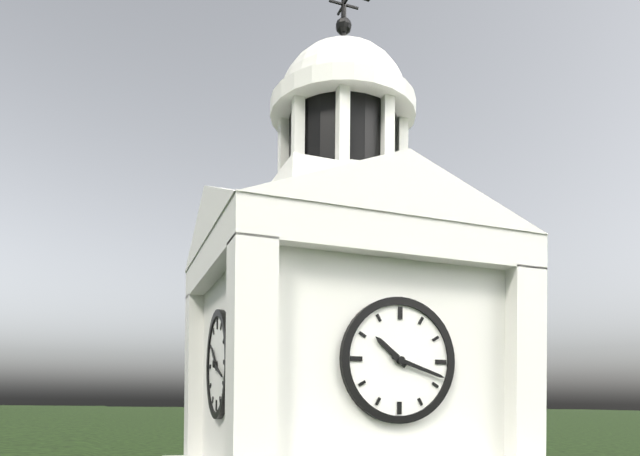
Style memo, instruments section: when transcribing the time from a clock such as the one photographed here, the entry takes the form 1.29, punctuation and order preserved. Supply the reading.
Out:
10.18
